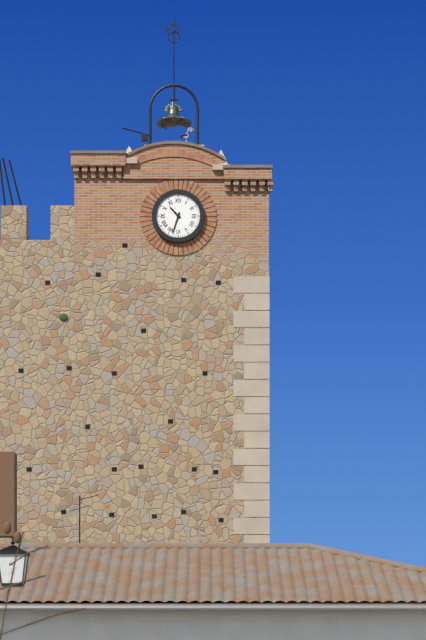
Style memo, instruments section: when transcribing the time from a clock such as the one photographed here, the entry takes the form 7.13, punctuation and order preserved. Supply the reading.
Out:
10.33
